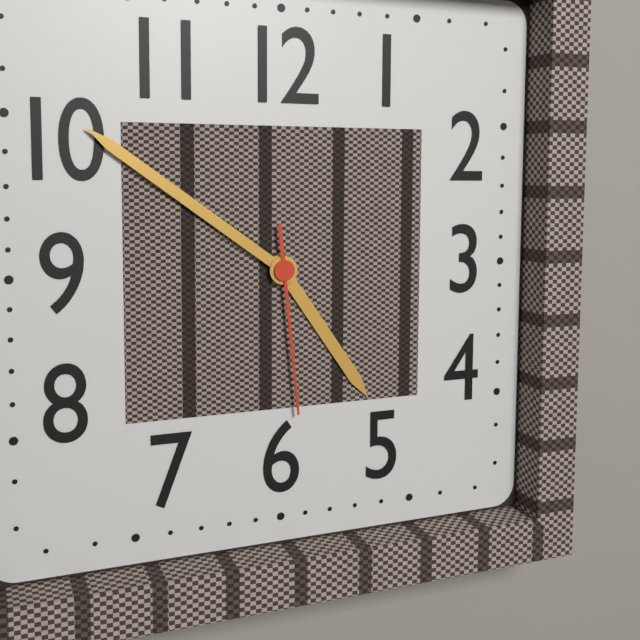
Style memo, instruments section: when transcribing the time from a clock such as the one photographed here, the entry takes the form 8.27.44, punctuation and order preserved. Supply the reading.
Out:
4.51.29
